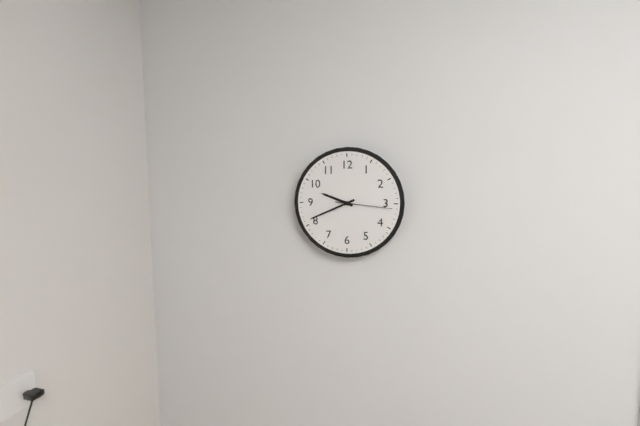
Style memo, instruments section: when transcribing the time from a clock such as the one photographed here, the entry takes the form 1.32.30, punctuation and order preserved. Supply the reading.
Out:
9.41.16
